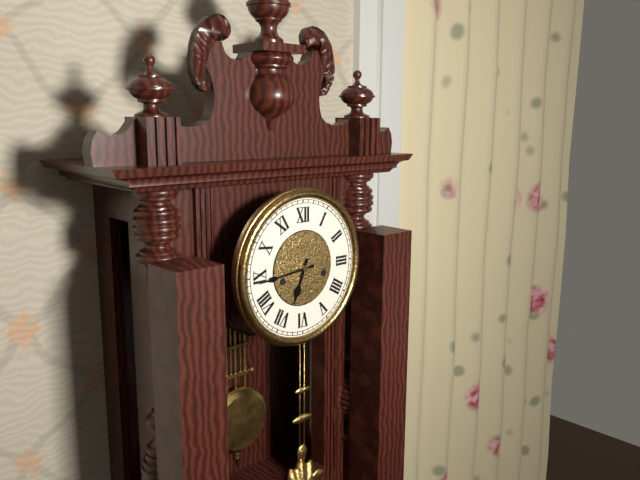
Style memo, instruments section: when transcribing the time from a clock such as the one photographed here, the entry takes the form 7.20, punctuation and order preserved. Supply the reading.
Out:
6.44
